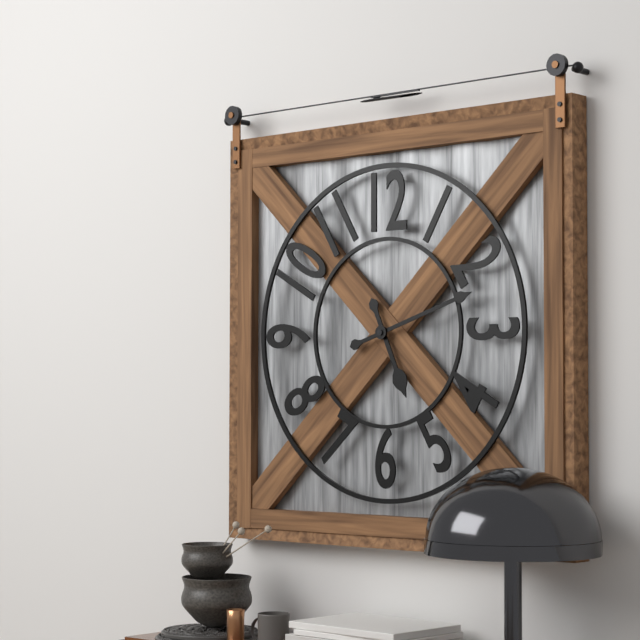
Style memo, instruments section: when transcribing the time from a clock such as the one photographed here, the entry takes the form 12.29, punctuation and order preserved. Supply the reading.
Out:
5.12
